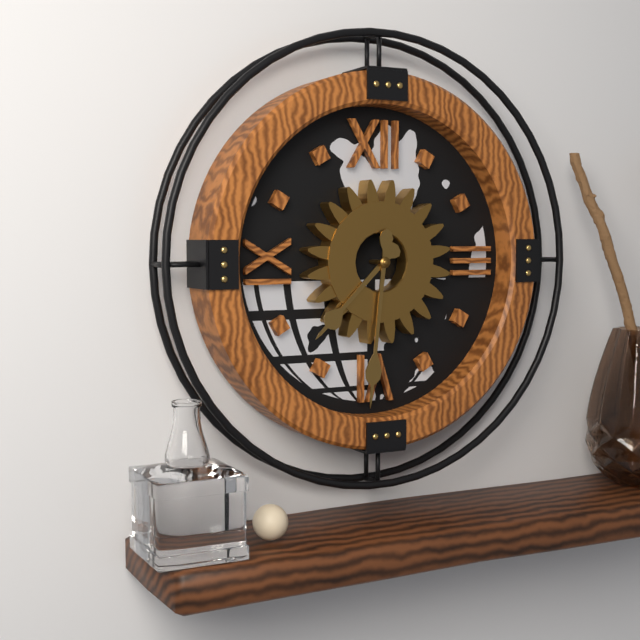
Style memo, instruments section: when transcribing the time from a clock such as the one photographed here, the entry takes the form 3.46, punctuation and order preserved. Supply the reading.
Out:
7.31
